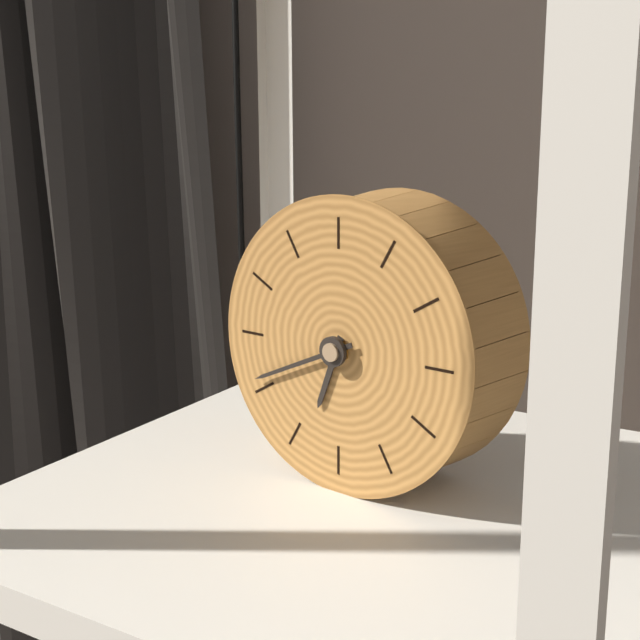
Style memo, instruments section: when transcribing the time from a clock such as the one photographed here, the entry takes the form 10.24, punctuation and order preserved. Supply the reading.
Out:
6.41
